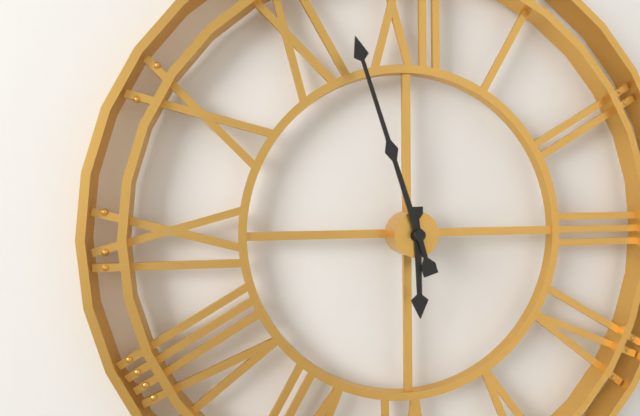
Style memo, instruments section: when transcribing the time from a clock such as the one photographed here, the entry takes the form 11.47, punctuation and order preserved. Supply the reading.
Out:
5.57
